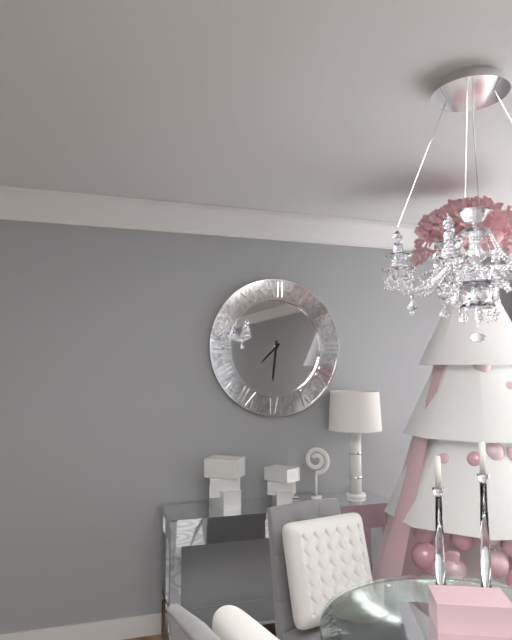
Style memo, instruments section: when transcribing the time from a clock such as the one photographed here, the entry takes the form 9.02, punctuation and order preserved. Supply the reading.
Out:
7.31
